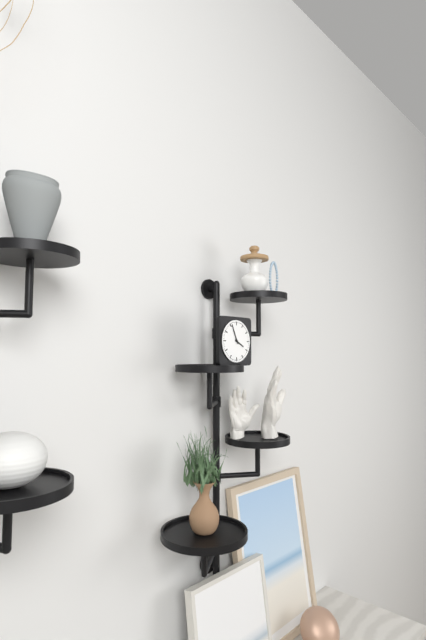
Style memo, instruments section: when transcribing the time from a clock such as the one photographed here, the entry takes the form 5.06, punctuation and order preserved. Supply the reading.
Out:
3.56
